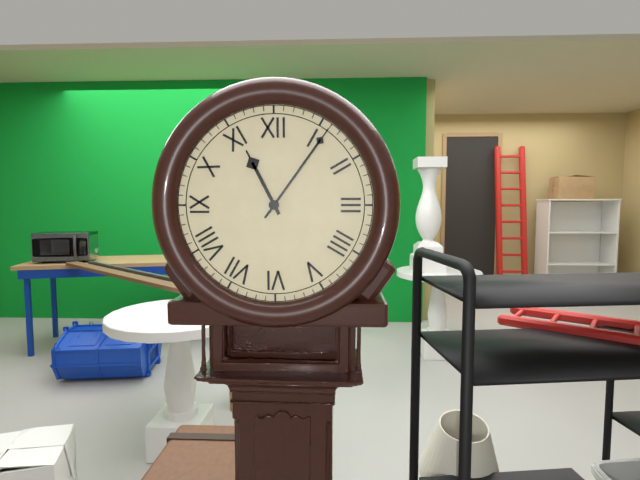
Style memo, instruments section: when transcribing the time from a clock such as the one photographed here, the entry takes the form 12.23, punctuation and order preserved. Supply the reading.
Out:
11.06
